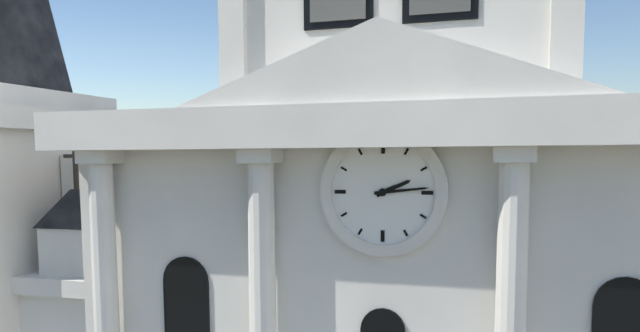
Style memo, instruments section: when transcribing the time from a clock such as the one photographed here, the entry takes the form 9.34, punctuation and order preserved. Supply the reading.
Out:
2.14
